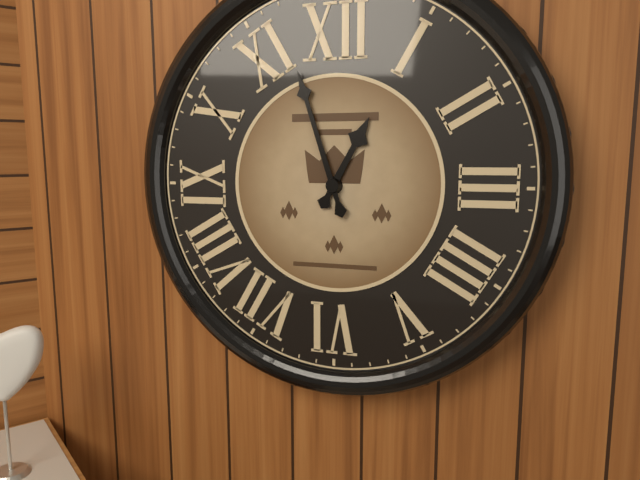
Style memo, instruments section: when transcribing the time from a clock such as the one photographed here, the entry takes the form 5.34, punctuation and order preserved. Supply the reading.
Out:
12.57
